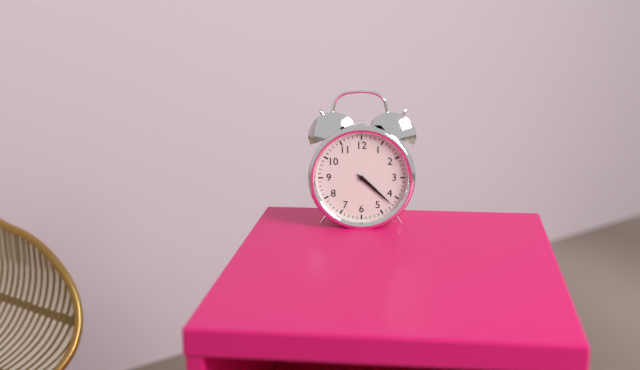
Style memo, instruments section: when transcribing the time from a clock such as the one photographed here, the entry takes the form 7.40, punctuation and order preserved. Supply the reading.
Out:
4.22
